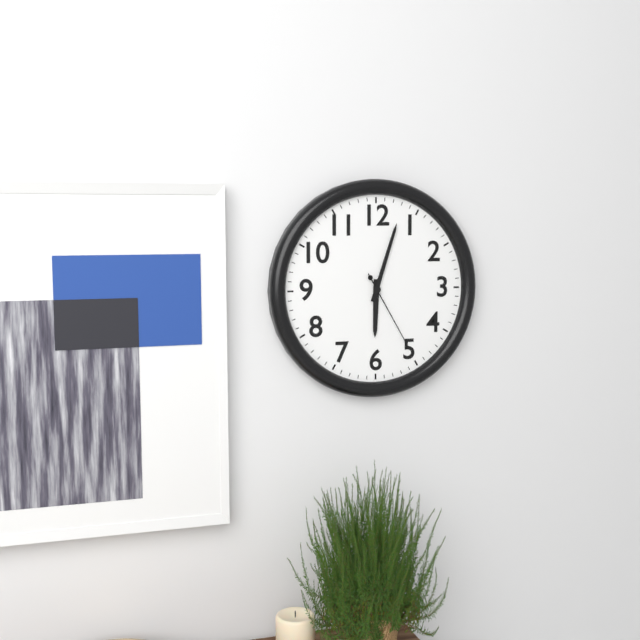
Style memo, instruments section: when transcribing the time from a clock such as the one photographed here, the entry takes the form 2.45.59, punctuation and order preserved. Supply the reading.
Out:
6.03.25
